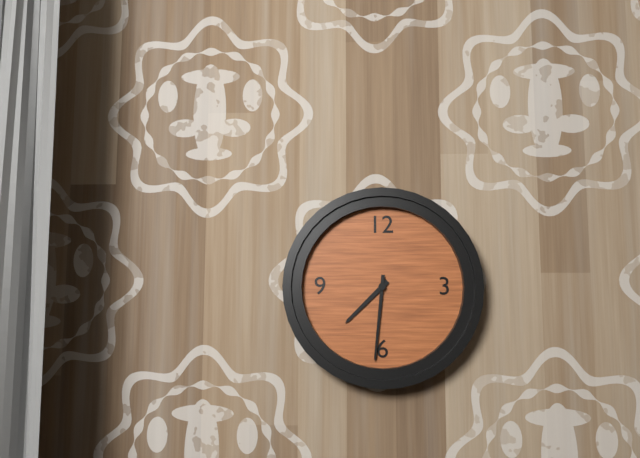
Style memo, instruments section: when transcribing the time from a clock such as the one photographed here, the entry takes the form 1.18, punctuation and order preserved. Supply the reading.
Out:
7.31
